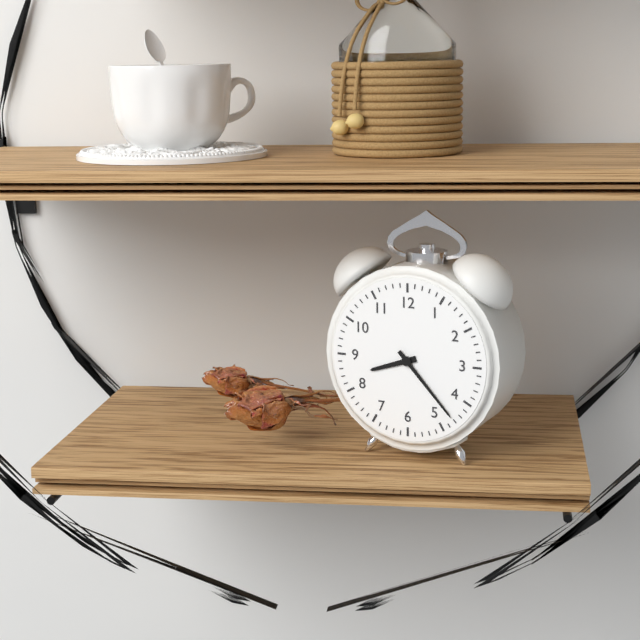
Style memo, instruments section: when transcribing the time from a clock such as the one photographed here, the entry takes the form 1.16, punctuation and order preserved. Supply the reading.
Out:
8.23
